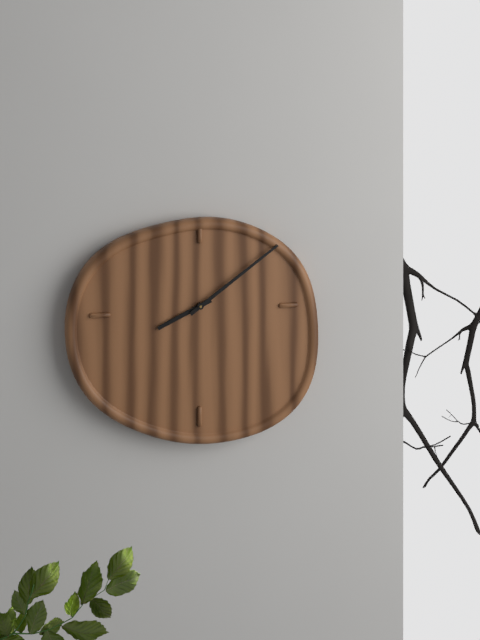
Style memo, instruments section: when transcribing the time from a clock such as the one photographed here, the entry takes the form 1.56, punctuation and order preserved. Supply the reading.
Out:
8.09
